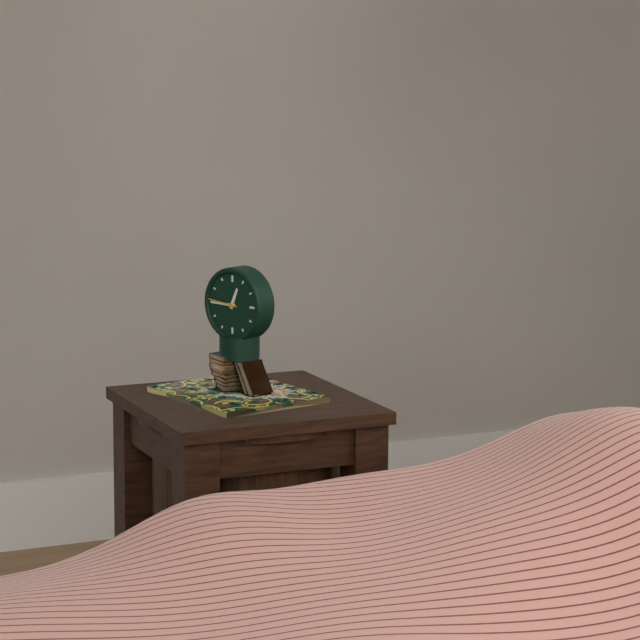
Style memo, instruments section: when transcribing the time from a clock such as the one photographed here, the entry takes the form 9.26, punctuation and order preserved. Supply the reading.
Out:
12.45
